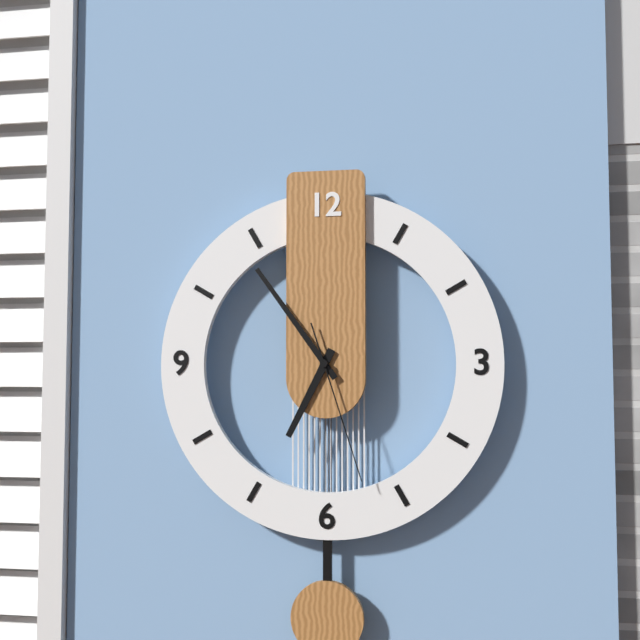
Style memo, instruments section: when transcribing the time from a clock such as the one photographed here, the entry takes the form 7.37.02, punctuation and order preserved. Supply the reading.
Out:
6.54.27
